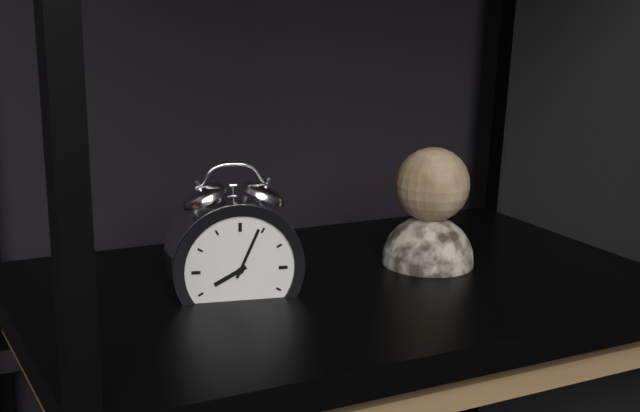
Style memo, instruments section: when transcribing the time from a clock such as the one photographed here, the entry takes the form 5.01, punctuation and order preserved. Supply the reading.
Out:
8.04
